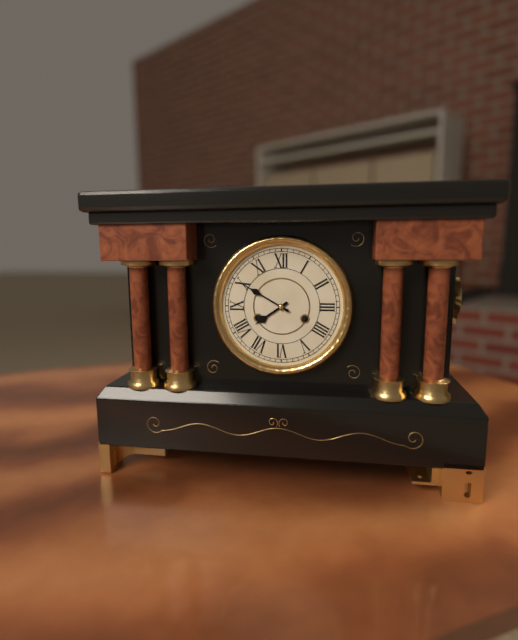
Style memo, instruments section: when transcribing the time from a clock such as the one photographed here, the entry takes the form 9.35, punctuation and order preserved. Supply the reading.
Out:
7.50
